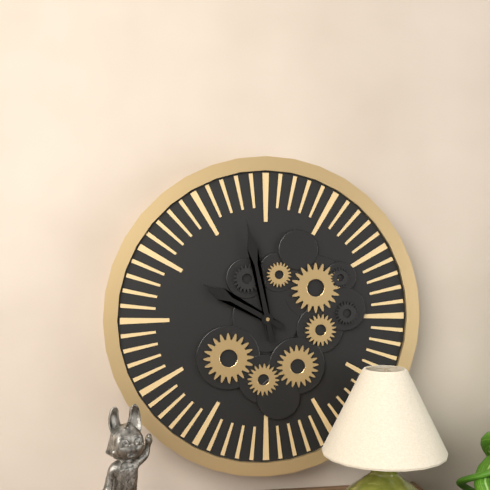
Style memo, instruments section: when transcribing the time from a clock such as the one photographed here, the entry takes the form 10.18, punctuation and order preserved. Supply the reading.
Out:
9.58
